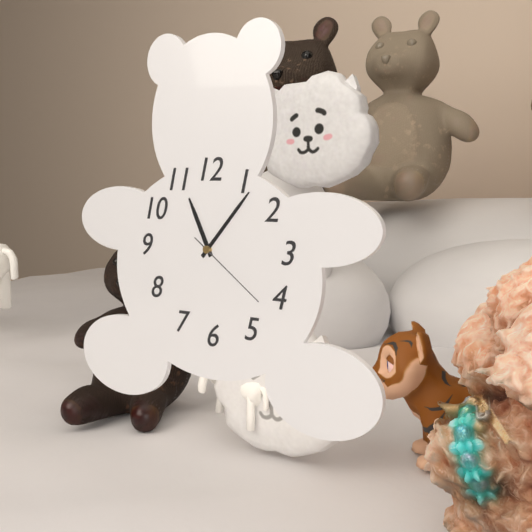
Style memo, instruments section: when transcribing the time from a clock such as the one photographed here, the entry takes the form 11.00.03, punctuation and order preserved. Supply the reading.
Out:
11.07.21
